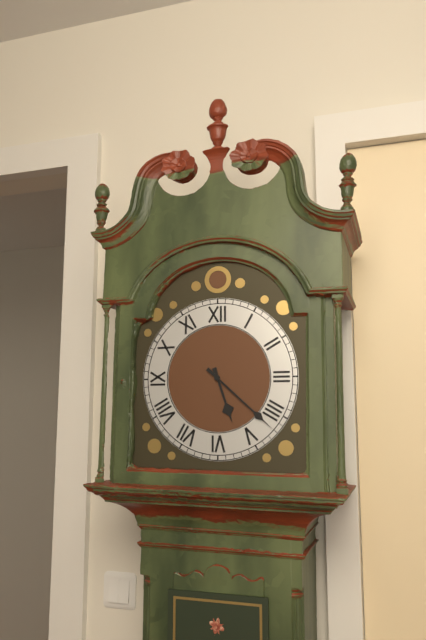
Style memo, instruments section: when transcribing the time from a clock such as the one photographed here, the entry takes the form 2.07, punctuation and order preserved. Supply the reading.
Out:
5.22
